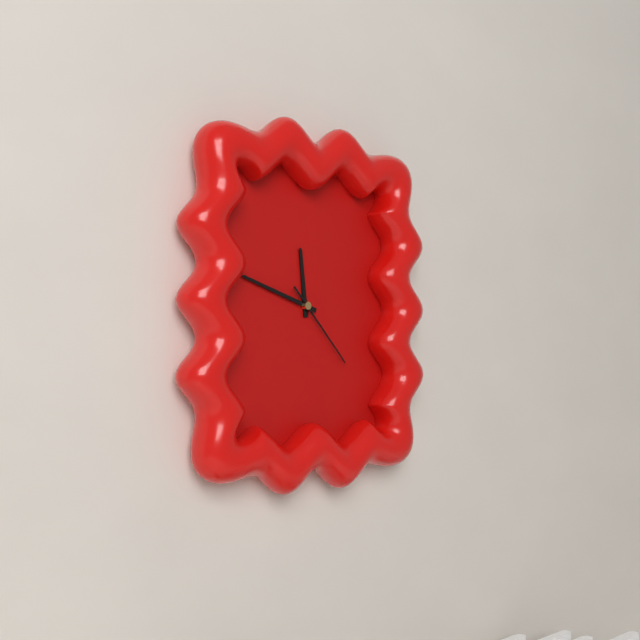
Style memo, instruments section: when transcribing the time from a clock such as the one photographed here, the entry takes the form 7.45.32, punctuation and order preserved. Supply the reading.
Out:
11.48.23
